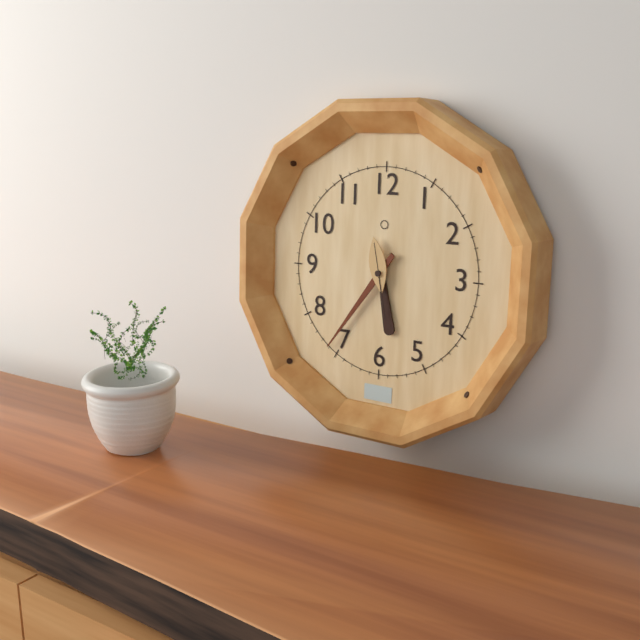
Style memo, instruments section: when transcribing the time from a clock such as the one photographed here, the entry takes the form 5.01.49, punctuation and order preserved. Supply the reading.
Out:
5.36.28
